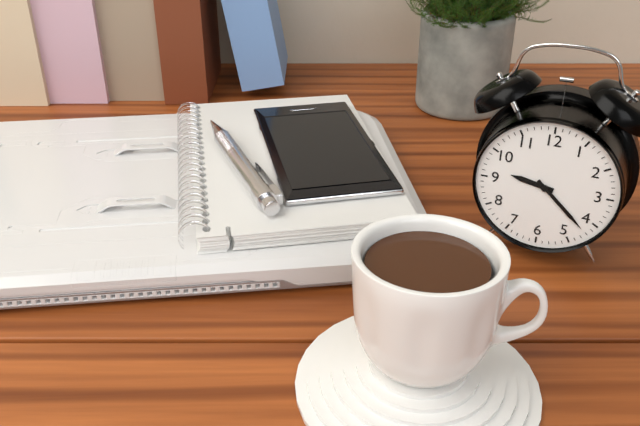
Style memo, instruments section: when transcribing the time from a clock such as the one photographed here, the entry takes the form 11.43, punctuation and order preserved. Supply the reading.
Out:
9.22
